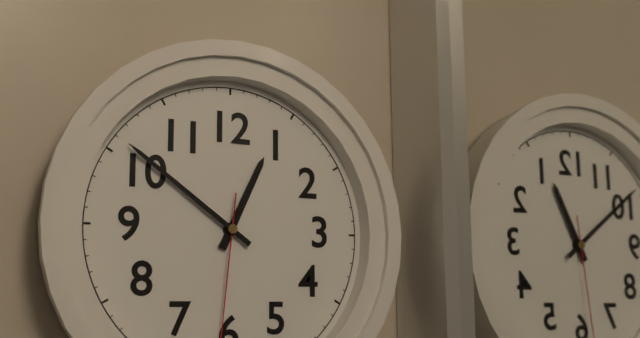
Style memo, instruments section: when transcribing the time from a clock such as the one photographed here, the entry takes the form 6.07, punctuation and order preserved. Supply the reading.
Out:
12.51
